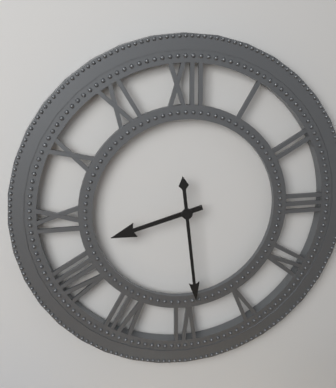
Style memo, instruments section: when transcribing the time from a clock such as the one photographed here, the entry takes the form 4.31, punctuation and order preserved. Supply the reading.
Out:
8.29
